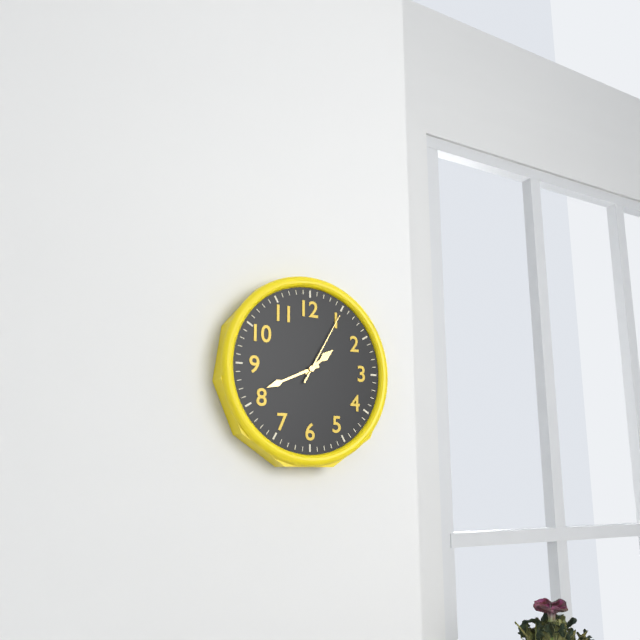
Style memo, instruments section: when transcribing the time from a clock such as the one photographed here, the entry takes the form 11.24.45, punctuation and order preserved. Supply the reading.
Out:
1.41.05
